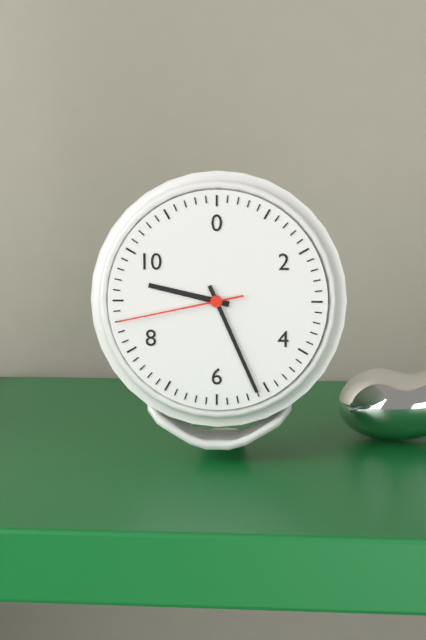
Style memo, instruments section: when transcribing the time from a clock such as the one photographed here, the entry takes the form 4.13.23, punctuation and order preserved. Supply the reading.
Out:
9.26.43
